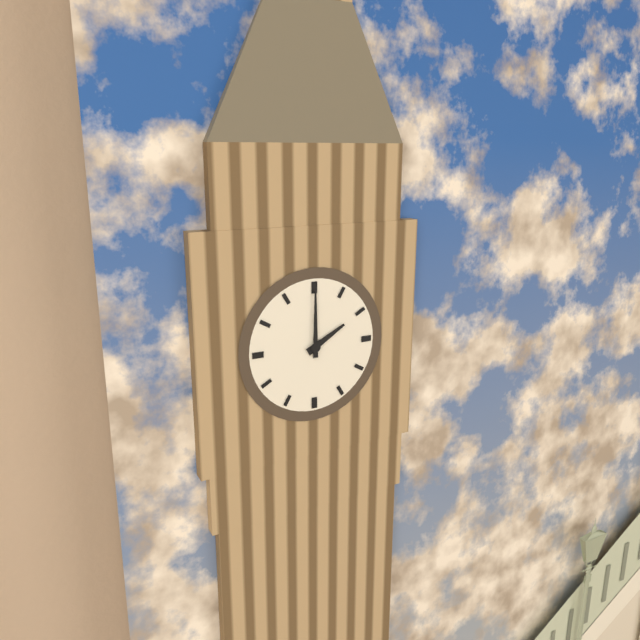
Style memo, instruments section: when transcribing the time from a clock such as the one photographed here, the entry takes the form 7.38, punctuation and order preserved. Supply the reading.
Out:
2.00
